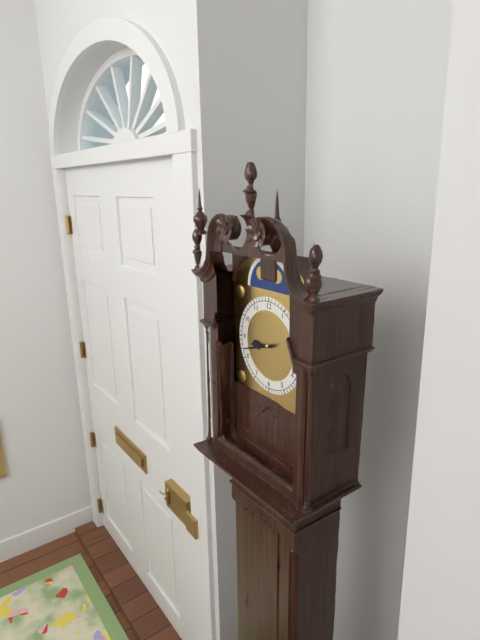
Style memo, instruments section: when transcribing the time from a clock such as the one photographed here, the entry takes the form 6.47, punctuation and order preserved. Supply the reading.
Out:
8.42
